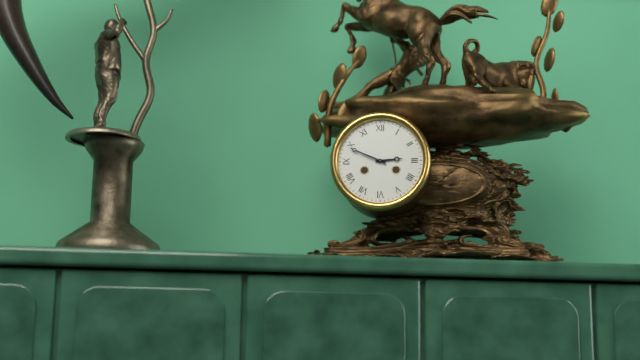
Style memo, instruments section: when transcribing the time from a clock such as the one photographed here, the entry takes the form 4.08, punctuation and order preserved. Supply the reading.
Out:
2.49
